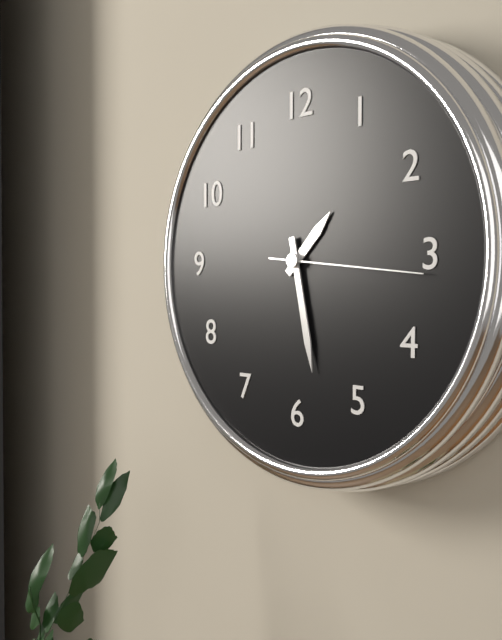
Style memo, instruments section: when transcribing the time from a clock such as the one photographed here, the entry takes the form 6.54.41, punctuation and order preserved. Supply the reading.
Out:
1.28.16
